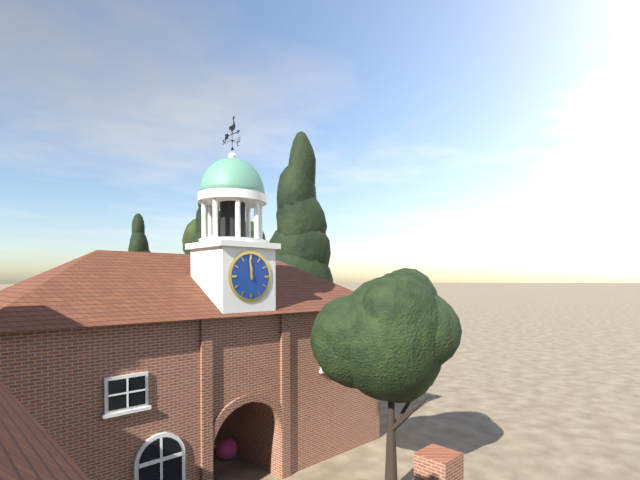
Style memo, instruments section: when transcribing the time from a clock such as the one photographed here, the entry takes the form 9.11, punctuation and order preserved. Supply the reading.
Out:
11.59
